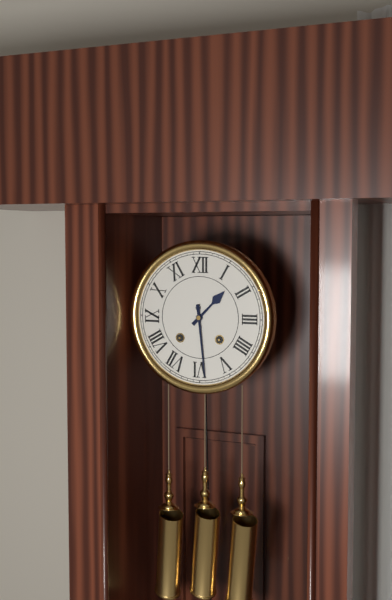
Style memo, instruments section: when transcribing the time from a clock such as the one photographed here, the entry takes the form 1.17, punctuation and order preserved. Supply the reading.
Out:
1.29
